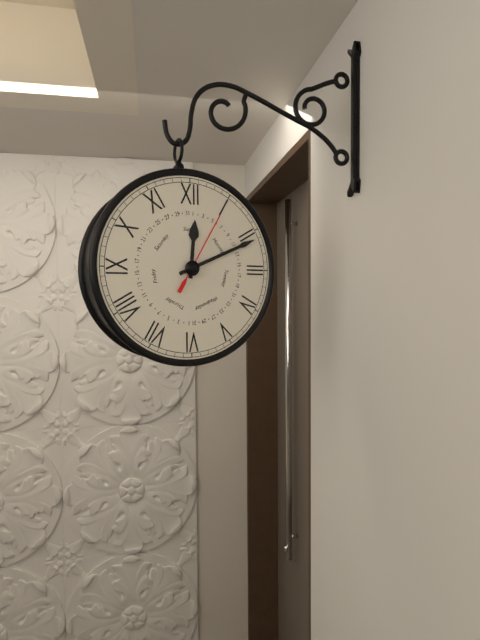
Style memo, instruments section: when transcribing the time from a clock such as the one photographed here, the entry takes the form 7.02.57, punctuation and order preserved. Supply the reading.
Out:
12.11.05
